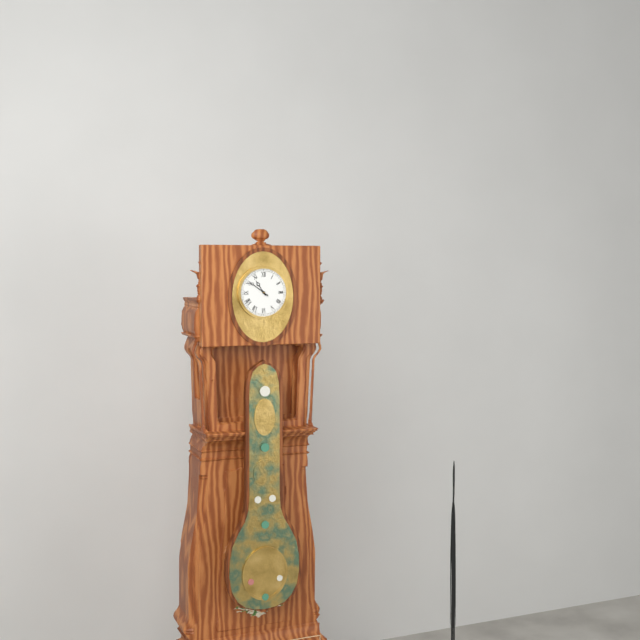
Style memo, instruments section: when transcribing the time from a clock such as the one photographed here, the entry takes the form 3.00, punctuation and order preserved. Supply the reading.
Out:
10.51
